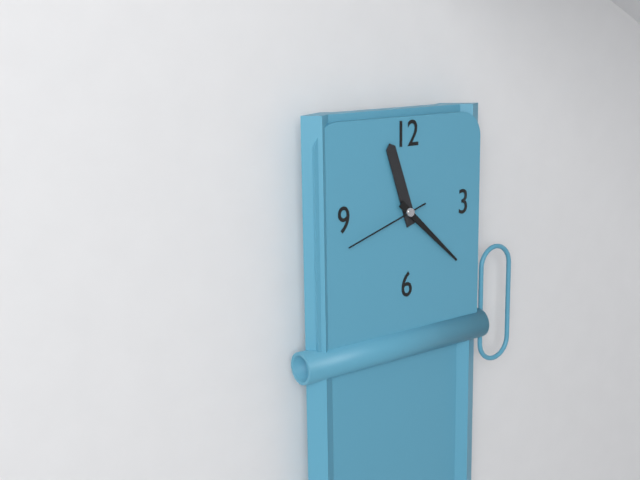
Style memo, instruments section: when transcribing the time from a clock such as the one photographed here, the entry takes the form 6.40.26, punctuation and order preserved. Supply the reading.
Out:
11.22.42
